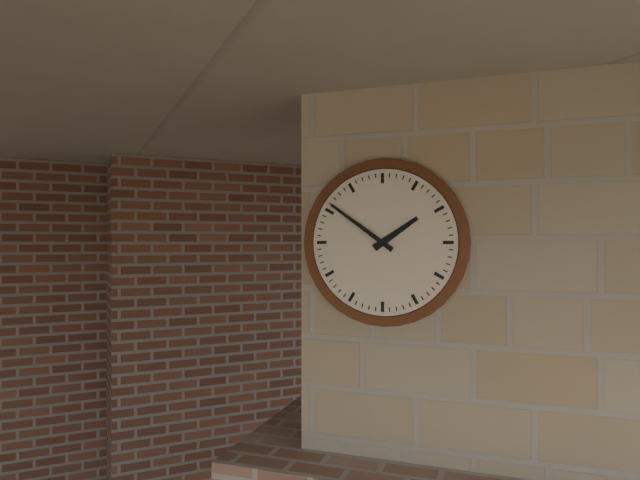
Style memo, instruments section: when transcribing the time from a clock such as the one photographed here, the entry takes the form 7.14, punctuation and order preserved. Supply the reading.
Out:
1.51
